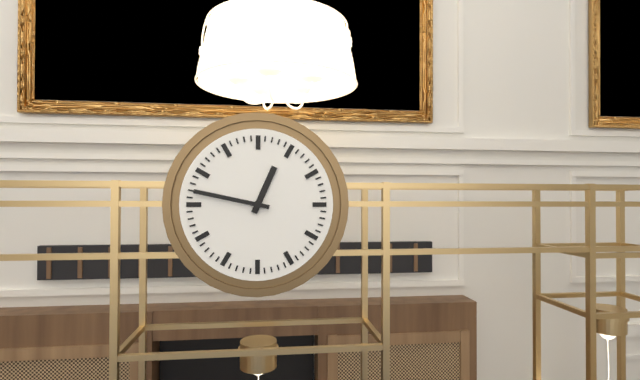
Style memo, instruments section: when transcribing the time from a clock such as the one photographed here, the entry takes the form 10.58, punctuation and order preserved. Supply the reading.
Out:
12.47
